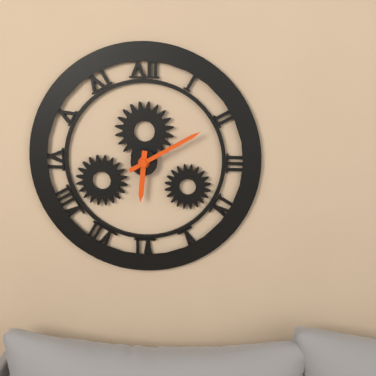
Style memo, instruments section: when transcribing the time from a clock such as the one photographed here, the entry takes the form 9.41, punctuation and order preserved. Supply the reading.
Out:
6.10
